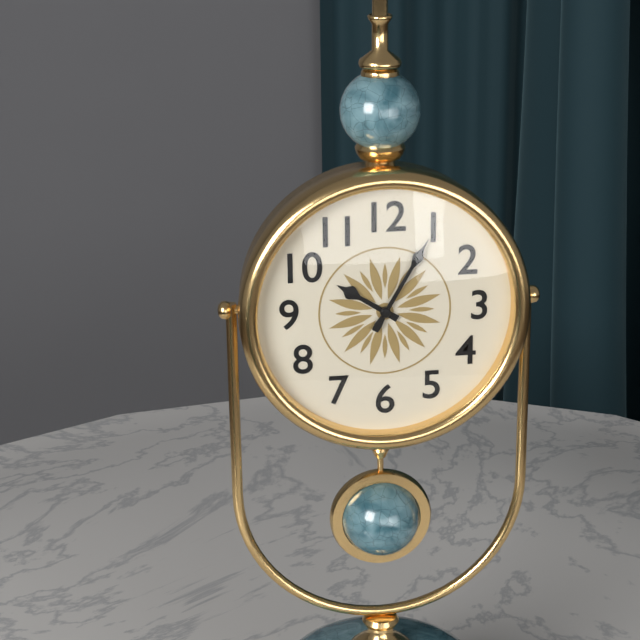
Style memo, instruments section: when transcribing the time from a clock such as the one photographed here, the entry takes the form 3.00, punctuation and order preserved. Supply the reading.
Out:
10.05
